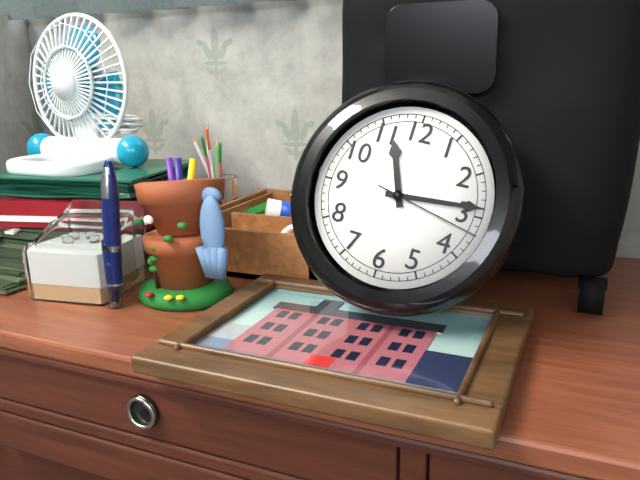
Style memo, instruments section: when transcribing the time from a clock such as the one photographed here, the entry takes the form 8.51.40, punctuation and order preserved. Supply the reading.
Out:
11.14.17
